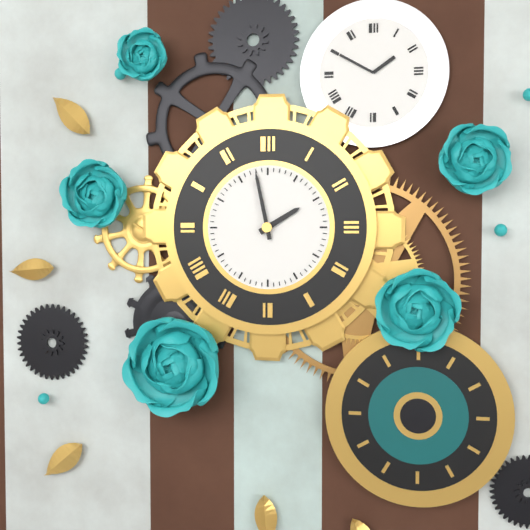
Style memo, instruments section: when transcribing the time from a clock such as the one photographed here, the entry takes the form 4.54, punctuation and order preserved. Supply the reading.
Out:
1.58
